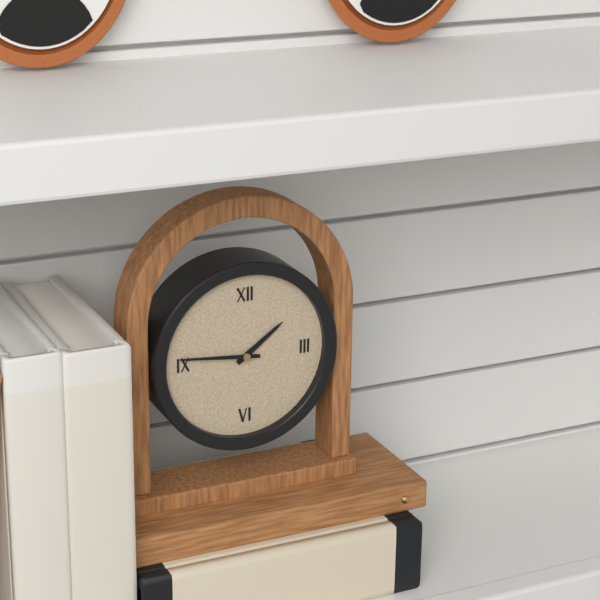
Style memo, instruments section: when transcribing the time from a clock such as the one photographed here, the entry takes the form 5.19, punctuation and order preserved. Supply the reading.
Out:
1.46
